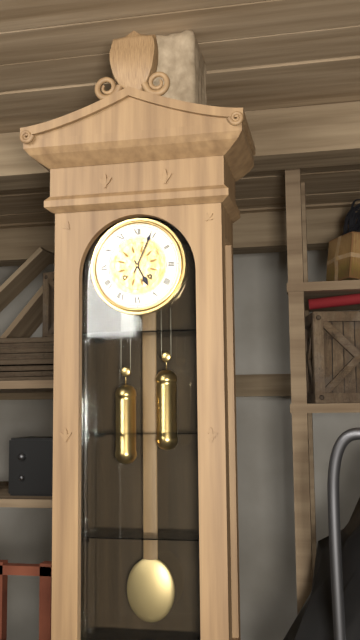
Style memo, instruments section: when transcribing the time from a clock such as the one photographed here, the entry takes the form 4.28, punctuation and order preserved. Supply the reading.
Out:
5.04
